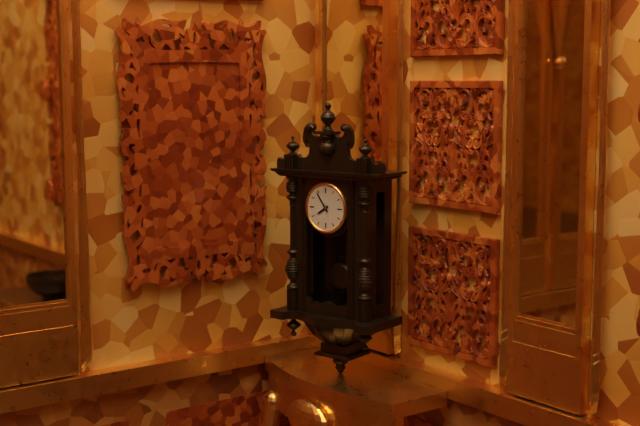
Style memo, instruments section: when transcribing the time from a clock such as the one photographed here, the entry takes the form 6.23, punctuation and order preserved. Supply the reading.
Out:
7.54
